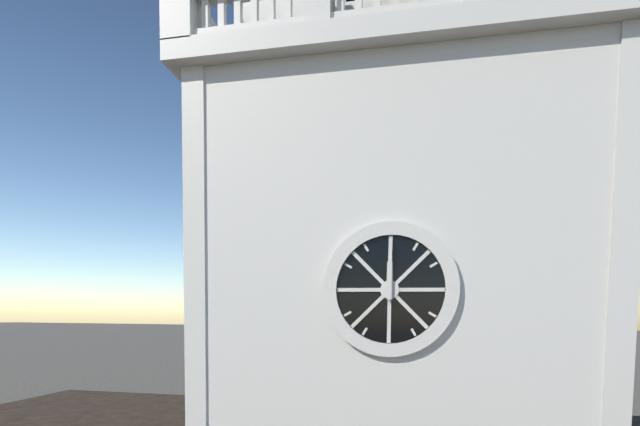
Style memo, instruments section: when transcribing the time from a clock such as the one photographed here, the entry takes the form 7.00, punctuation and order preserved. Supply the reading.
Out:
12.00
